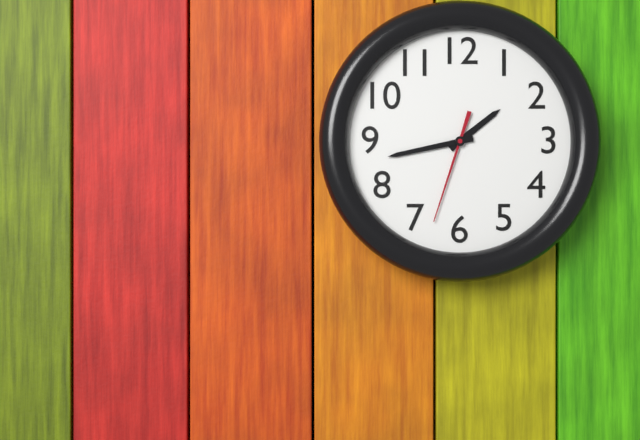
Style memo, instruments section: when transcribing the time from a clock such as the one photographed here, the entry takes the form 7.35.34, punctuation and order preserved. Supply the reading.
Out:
1.43.33
